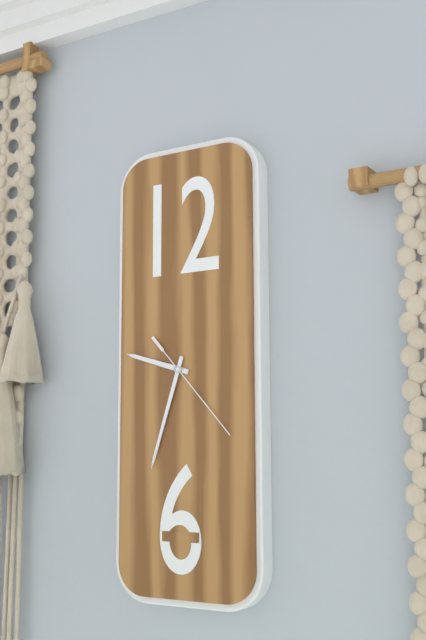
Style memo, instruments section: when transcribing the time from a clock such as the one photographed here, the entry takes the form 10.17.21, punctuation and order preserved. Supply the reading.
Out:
9.33.23
